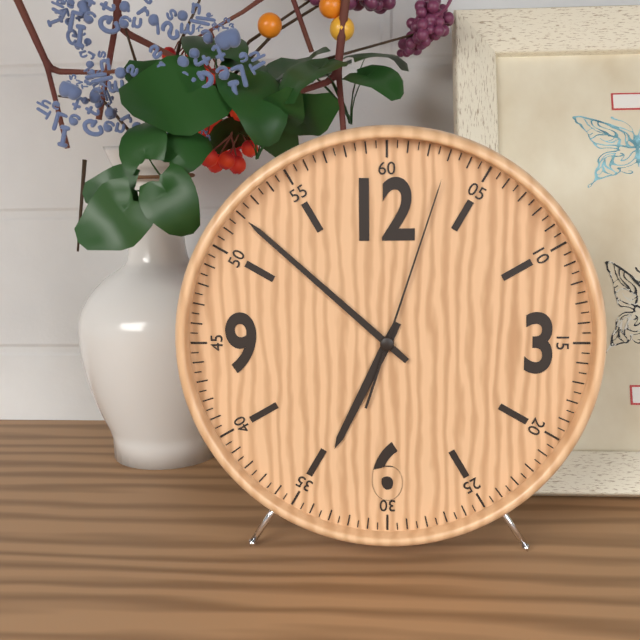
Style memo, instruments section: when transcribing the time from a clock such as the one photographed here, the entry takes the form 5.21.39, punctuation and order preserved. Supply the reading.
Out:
6.52.03
